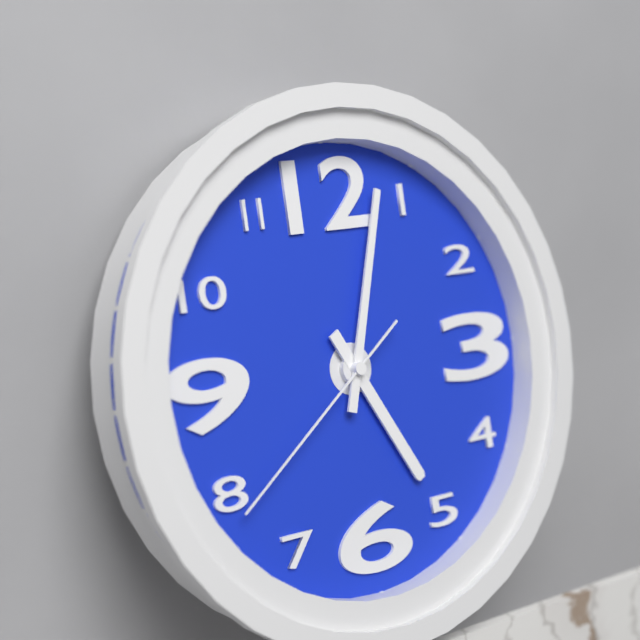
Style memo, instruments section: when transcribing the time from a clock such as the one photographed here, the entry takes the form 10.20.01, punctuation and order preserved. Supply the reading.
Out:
5.03.39
